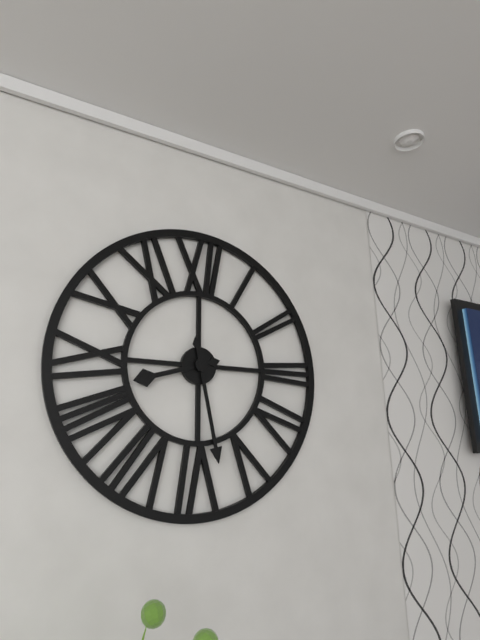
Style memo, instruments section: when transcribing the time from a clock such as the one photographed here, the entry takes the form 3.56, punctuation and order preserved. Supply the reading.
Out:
8.28
